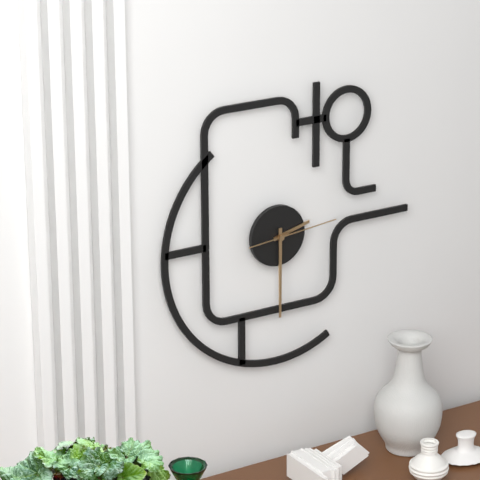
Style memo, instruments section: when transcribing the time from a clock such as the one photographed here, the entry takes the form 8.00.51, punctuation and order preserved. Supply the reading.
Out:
2.30.14
